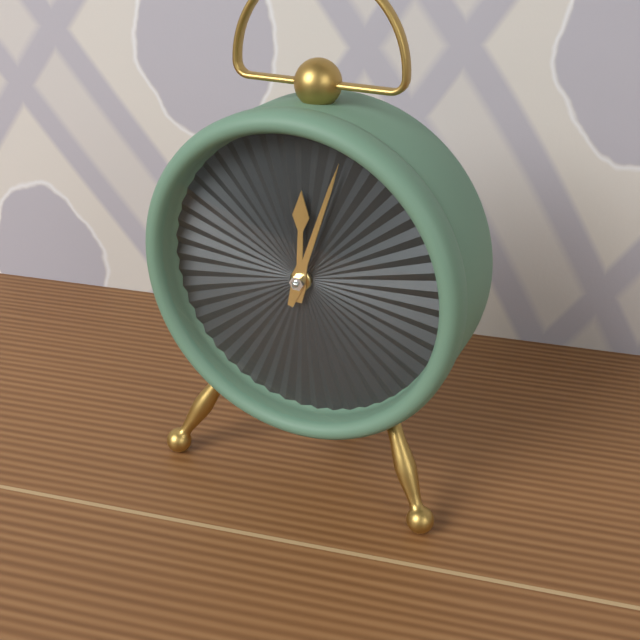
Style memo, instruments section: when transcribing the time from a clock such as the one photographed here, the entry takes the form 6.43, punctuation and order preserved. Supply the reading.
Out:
12.03
